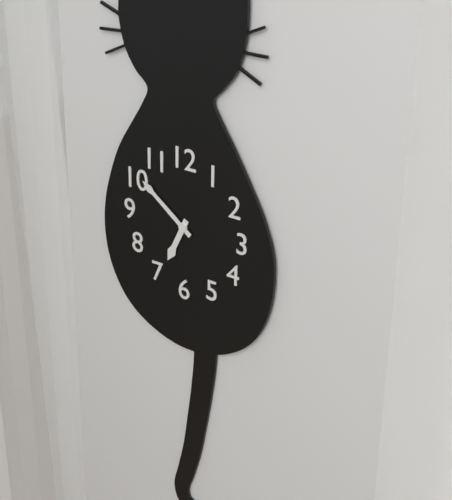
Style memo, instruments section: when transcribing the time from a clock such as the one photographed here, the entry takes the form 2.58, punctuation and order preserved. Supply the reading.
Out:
6.51
